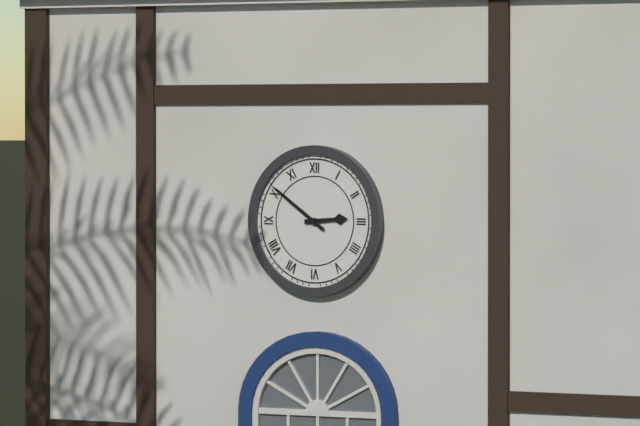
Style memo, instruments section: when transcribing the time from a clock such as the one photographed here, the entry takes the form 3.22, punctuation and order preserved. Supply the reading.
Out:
2.51
